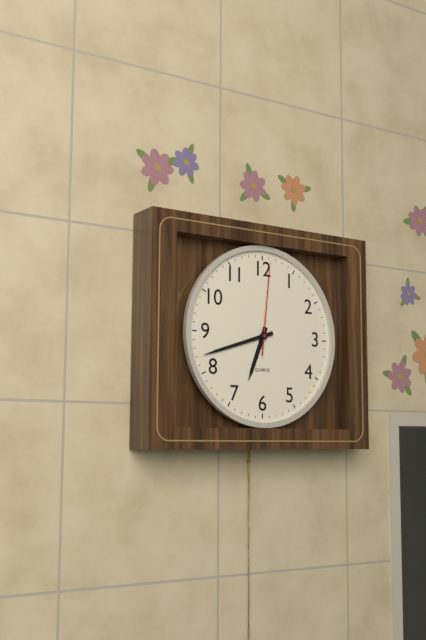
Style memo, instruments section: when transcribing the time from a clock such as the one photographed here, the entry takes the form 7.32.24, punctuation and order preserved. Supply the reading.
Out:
6.42.01
